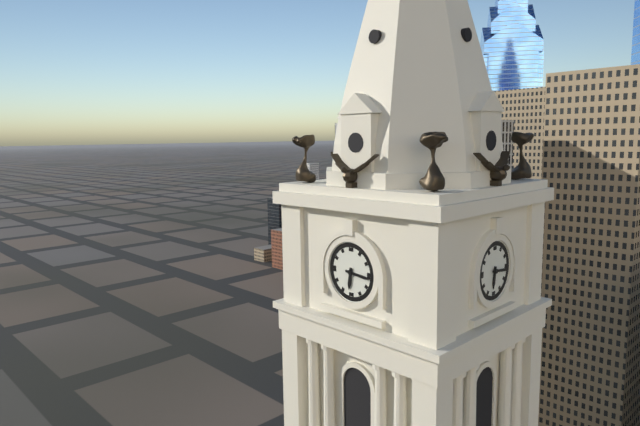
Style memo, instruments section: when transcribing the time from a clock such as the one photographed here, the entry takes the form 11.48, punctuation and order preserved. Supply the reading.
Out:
6.16
